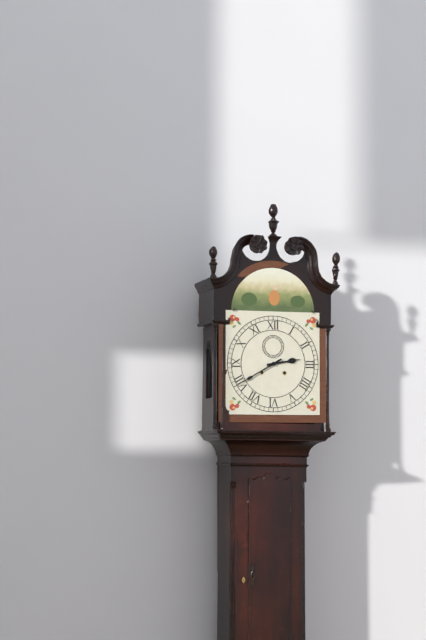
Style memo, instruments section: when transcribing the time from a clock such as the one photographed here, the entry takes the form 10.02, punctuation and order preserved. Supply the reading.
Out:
2.40
